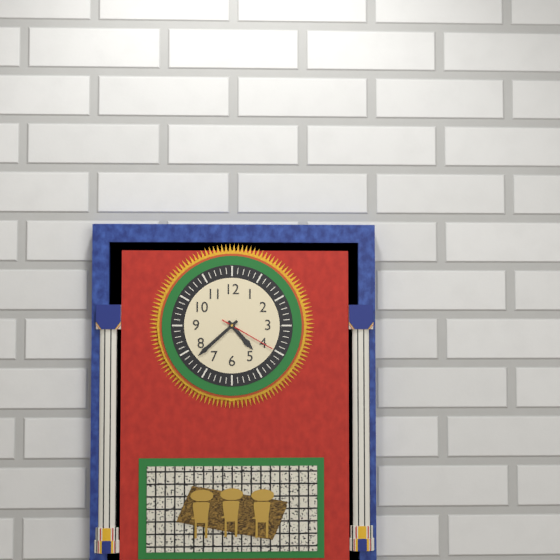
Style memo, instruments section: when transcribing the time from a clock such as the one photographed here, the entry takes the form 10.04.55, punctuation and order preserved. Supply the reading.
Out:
4.38.20
